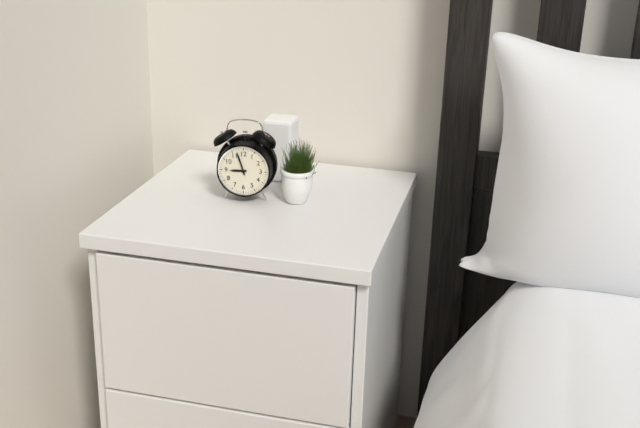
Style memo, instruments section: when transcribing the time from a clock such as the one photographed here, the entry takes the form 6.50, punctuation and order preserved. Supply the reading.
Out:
8.57
